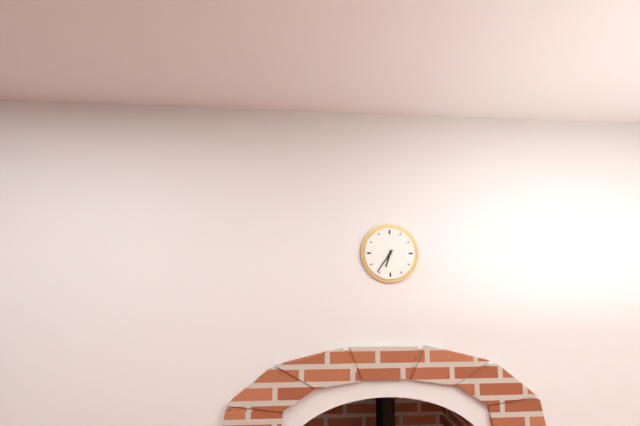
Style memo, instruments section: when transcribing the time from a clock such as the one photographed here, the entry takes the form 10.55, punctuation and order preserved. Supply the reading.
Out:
6.36
